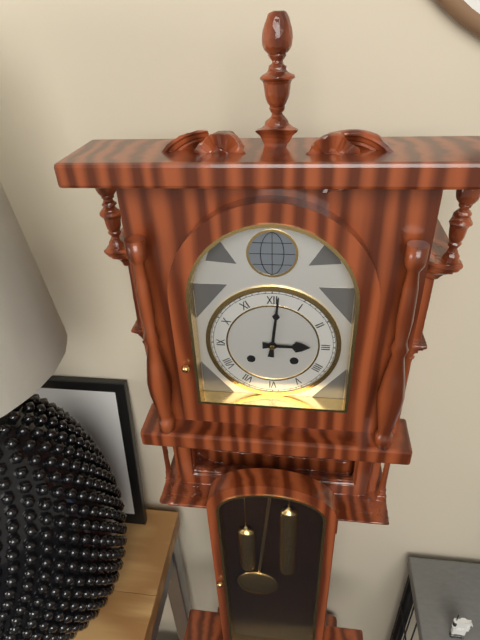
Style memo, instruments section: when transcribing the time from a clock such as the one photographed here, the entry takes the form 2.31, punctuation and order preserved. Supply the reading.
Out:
3.01
